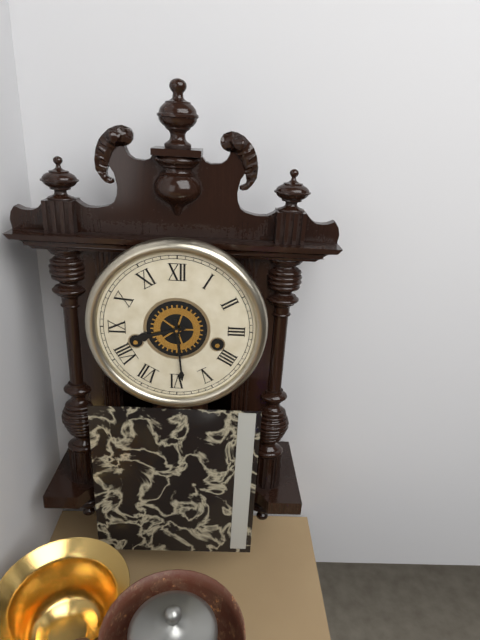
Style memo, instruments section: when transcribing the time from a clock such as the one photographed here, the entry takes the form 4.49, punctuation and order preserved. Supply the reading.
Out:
8.29
